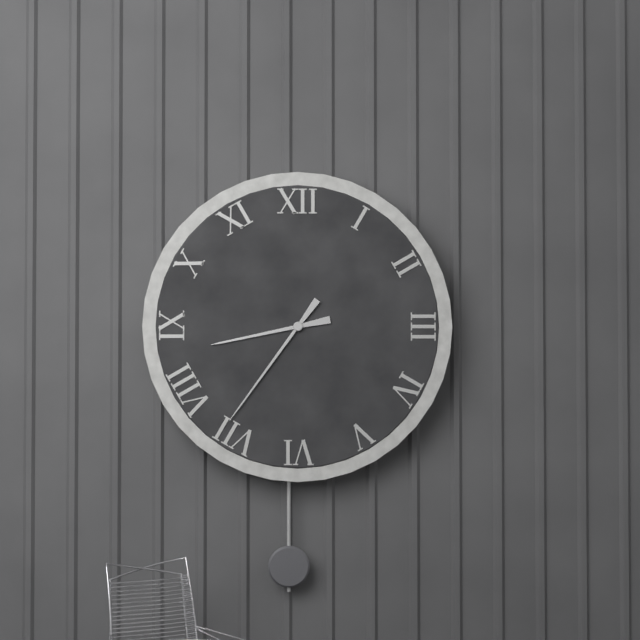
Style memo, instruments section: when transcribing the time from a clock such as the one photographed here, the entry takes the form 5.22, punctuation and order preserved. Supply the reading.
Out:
8.36
